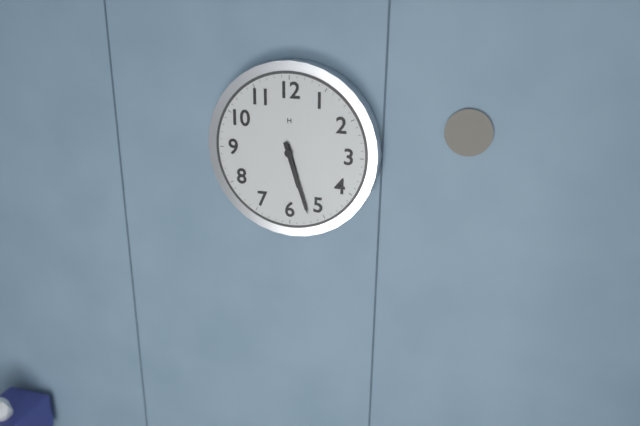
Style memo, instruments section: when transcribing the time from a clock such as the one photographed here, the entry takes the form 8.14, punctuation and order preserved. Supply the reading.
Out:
5.27
